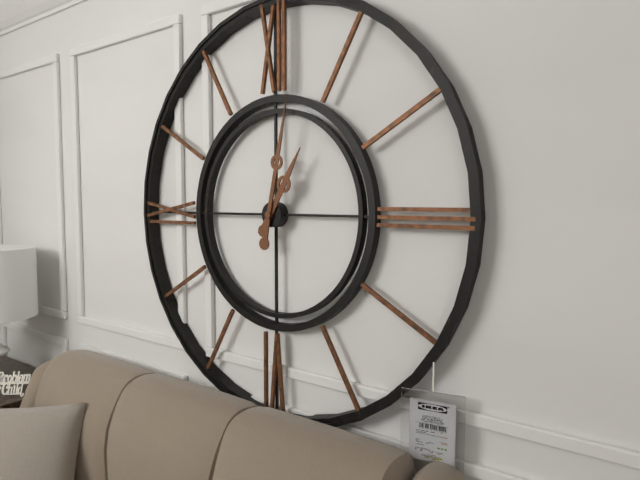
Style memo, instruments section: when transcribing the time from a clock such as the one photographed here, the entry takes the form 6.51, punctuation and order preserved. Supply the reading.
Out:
1.02
